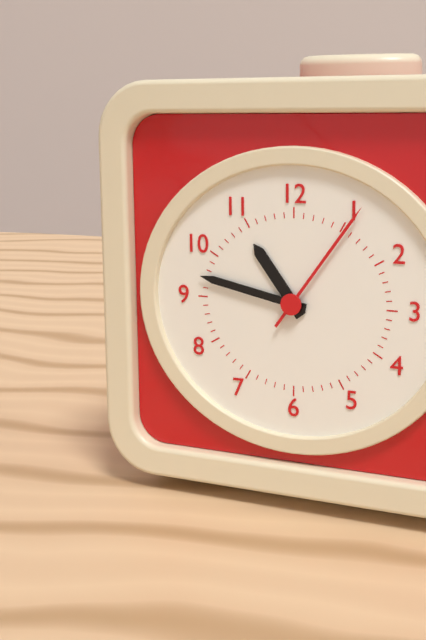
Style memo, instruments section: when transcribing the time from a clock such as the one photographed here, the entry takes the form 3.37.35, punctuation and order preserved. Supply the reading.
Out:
10.47.06
